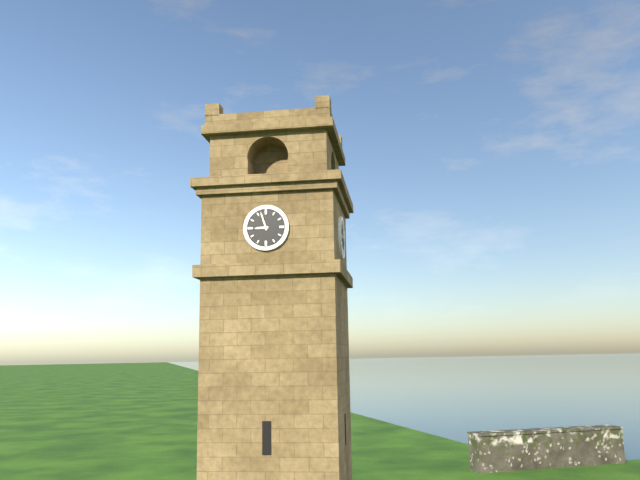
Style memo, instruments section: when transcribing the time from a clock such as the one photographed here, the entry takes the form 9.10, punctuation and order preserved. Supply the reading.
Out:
8.57
